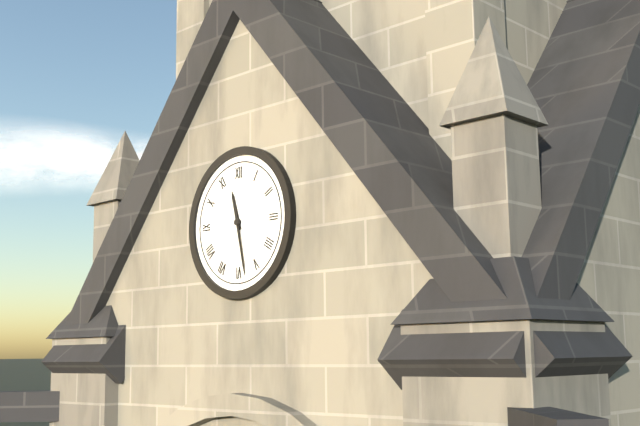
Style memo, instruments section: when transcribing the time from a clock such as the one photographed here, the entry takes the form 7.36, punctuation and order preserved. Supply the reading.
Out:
11.28
